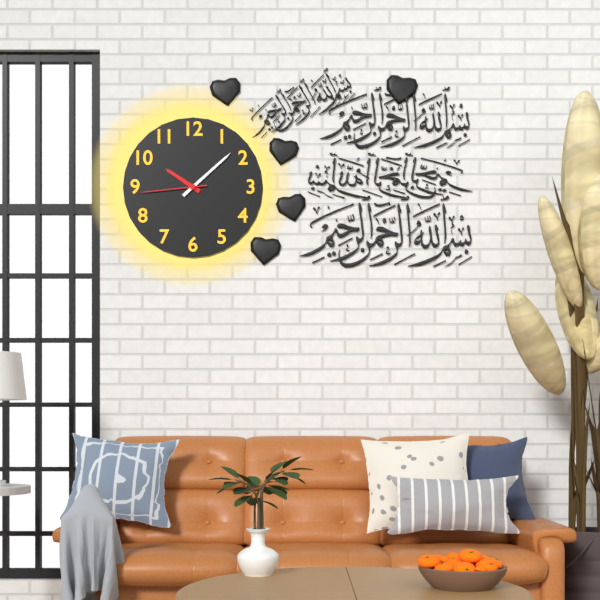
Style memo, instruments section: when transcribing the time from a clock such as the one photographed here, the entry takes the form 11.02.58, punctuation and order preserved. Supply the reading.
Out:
10.08.44
